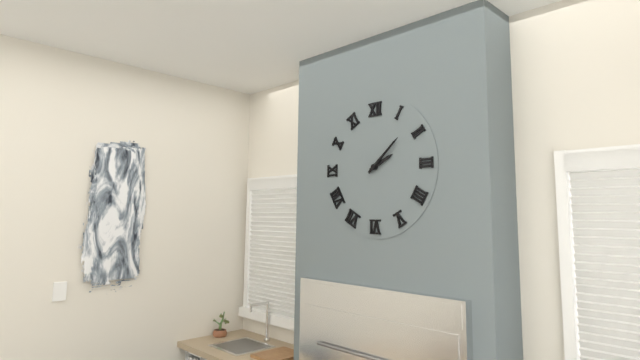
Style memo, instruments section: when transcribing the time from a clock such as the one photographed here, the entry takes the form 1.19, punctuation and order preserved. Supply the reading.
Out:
2.08
